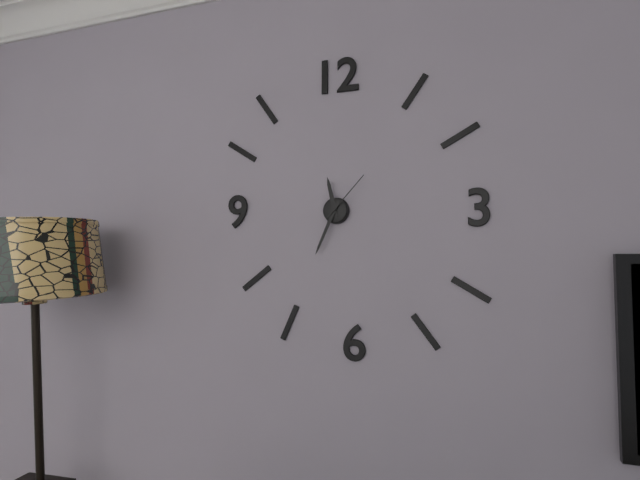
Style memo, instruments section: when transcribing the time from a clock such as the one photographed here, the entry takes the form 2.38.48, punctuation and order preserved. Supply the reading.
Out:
11.34.07
